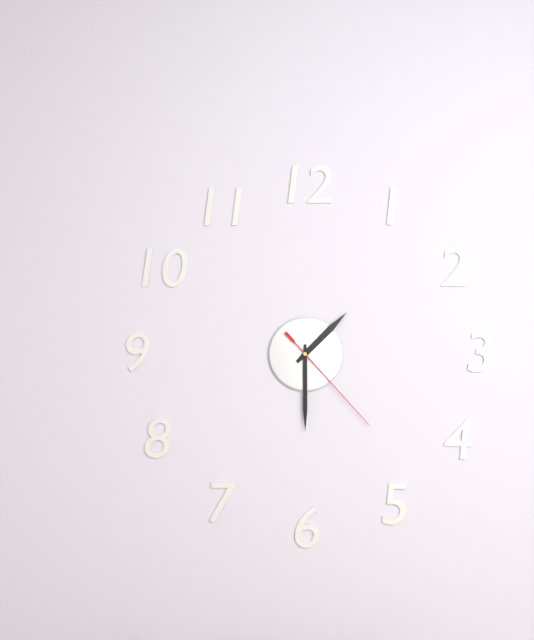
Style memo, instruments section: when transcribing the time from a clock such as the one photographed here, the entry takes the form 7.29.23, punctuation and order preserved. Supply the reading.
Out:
1.30.23
